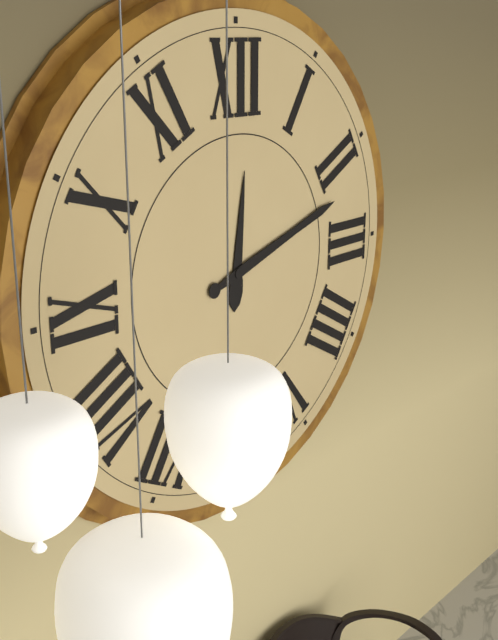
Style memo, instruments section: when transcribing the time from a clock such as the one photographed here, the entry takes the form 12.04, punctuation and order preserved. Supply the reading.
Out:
12.12
